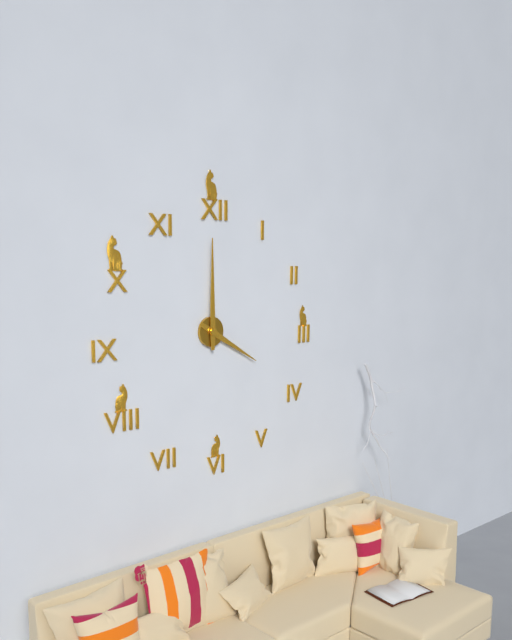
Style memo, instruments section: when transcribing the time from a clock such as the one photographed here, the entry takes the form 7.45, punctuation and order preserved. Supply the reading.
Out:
4.00
